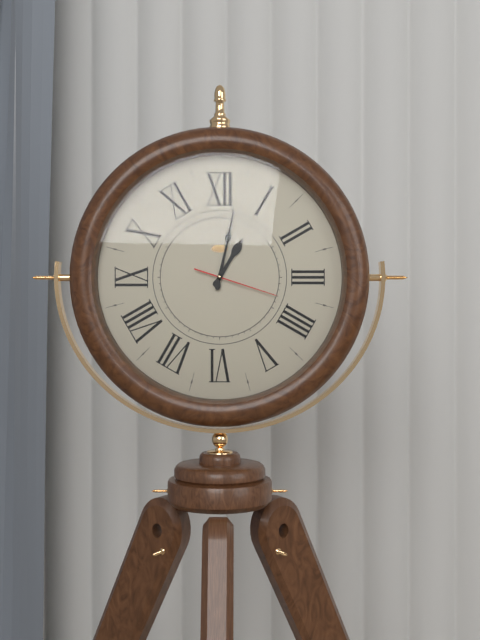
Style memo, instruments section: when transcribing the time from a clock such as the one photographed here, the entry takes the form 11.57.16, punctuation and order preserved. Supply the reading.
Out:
1.02.18
